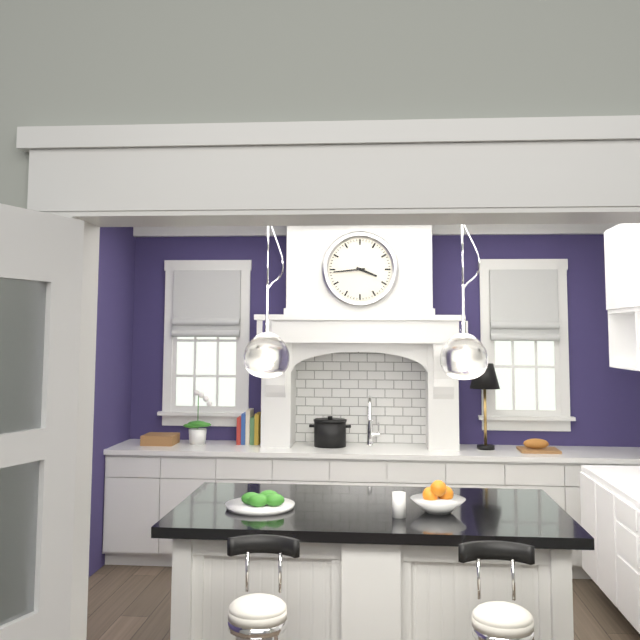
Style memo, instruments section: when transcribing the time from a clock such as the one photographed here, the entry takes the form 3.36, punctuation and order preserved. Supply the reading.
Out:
3.44
